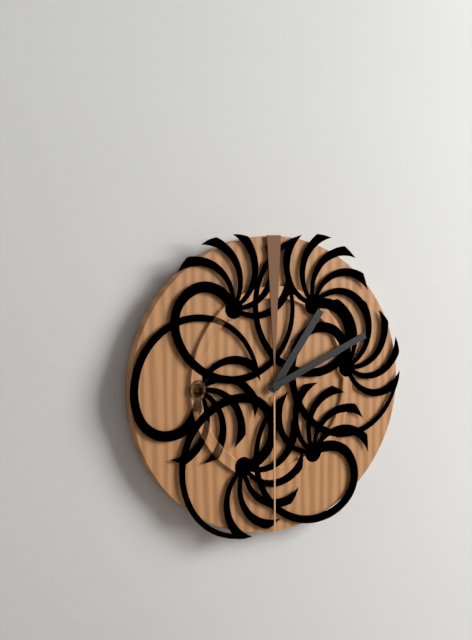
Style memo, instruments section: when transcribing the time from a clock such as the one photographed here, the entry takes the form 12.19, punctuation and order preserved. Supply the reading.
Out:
1.11
